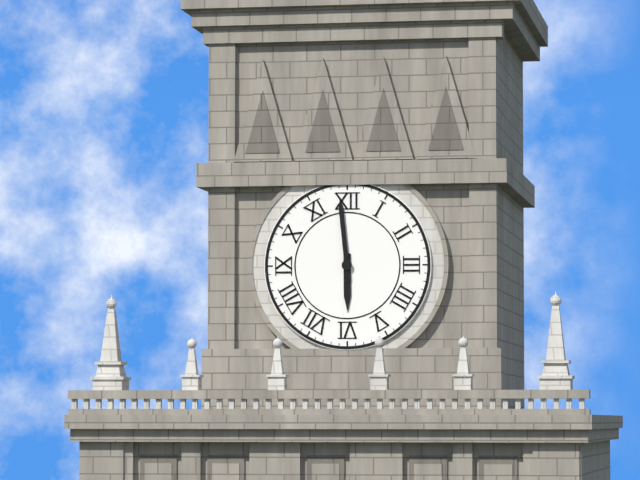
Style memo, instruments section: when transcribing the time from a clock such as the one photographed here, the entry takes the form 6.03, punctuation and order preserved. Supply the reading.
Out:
5.59
